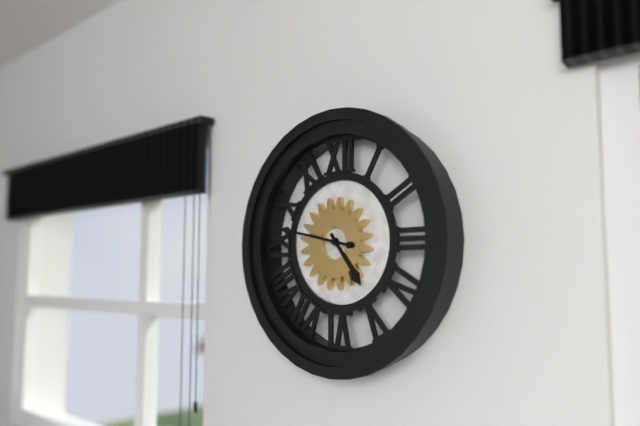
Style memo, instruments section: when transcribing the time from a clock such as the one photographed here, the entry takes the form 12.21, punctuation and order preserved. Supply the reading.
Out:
4.47
